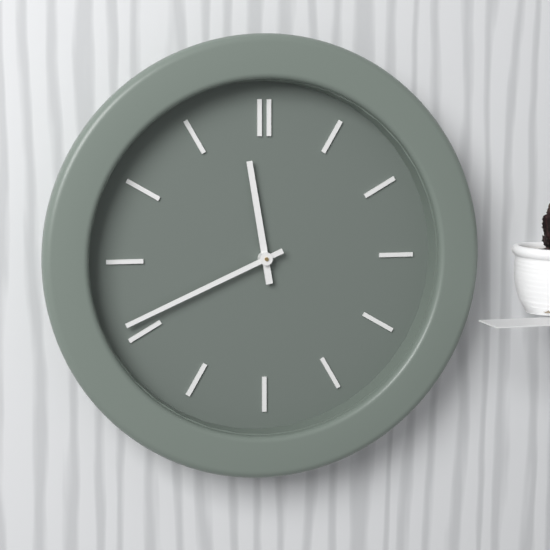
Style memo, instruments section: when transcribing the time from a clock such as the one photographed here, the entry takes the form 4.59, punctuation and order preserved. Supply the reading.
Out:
11.41
